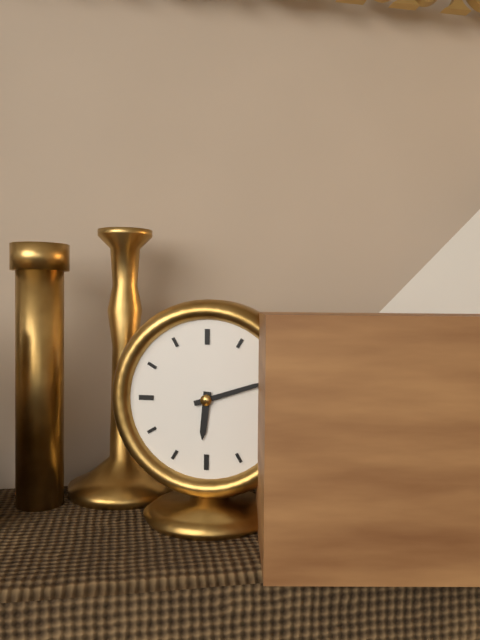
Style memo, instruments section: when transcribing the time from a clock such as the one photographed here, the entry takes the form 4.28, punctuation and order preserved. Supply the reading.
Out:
6.12
